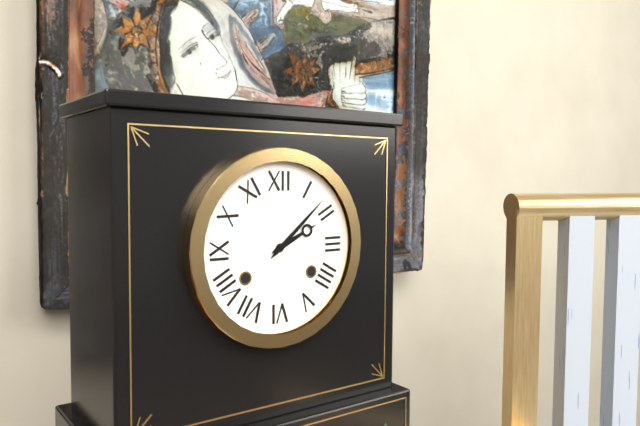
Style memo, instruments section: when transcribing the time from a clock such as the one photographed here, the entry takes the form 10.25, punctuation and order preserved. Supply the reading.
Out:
2.08
